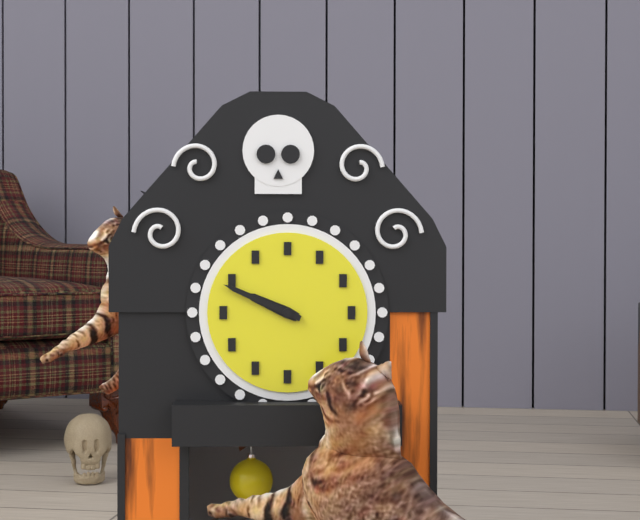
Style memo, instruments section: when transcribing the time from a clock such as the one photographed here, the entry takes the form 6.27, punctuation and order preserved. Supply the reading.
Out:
9.49
